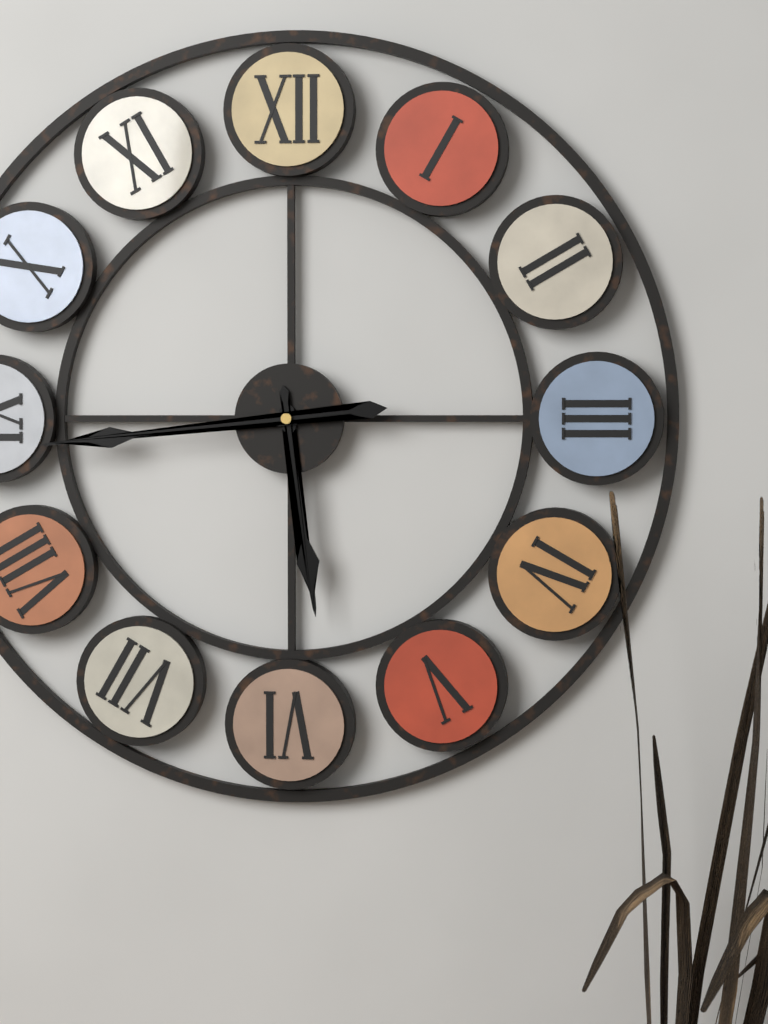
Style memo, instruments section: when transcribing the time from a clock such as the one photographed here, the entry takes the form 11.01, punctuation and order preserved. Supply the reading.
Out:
5.44
